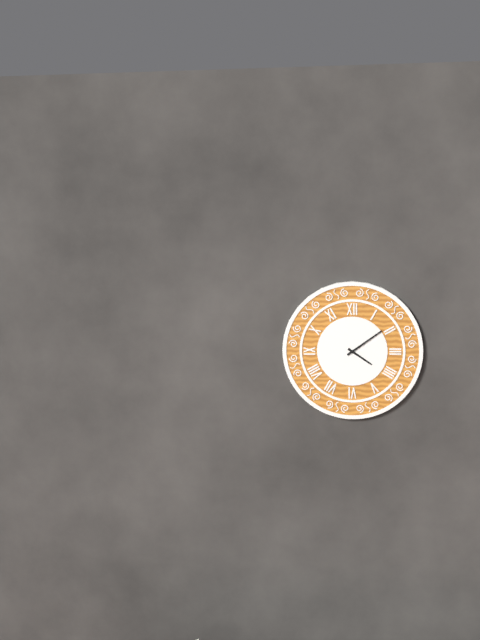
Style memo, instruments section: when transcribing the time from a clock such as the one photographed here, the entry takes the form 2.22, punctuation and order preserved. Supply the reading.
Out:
4.09
